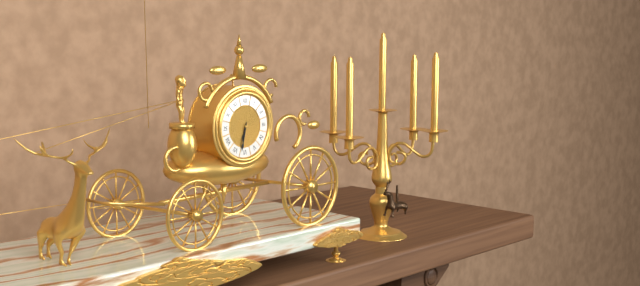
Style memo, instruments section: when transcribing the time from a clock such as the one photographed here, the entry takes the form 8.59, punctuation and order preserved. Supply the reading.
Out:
6.32
